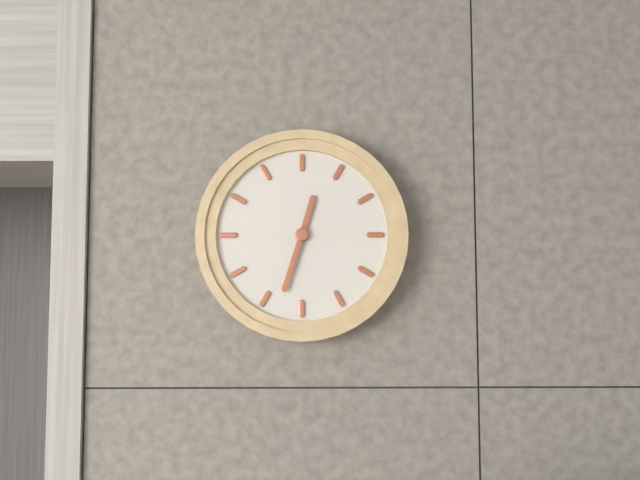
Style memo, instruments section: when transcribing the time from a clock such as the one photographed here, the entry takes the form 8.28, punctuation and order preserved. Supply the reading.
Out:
12.33
